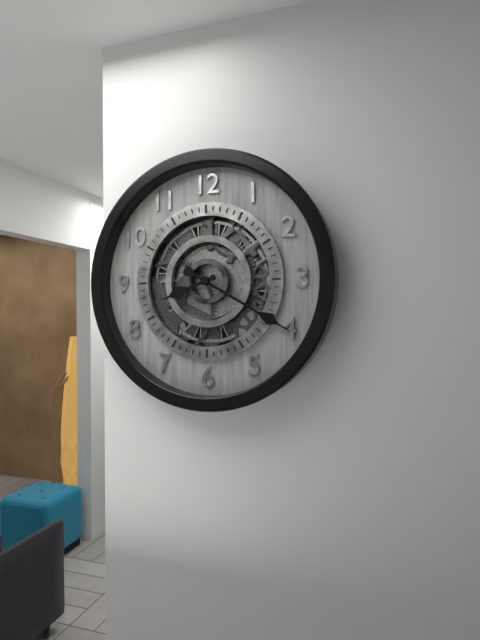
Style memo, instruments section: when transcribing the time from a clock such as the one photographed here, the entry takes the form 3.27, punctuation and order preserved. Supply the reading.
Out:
8.20
